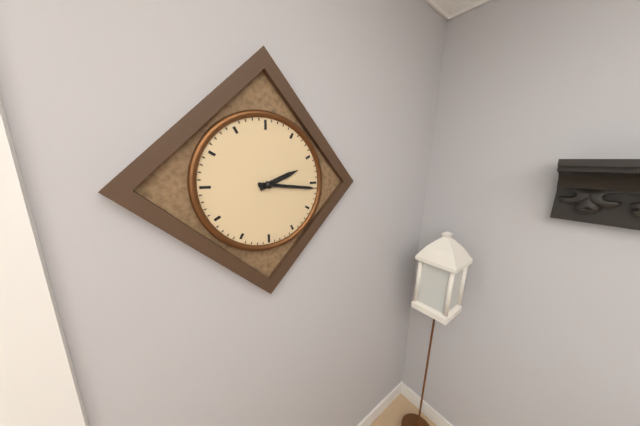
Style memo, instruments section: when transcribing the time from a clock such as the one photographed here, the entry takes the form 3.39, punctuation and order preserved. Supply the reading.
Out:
2.16
